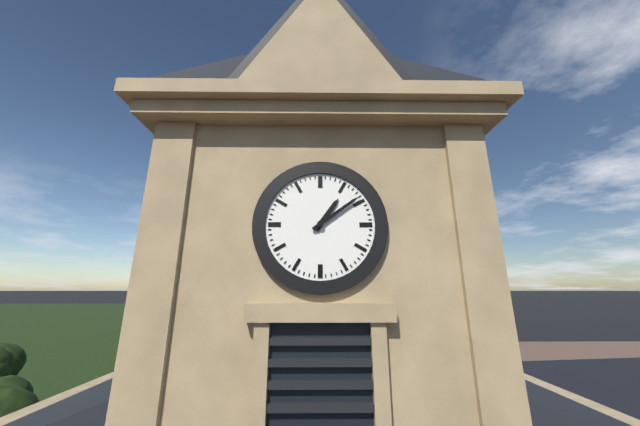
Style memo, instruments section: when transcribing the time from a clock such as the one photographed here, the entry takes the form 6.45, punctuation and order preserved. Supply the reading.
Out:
1.09
